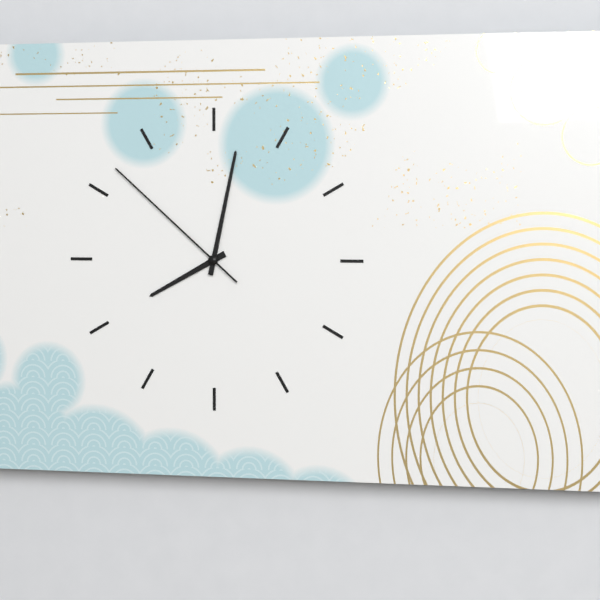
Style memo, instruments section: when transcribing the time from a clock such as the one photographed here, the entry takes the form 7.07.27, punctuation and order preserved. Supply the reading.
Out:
8.02.52
